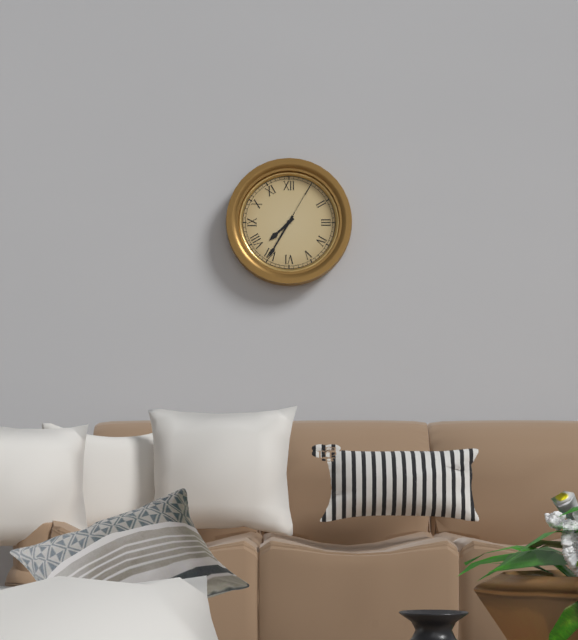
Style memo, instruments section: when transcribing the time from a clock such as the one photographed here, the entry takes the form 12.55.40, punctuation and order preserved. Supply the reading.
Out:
7.35.05
